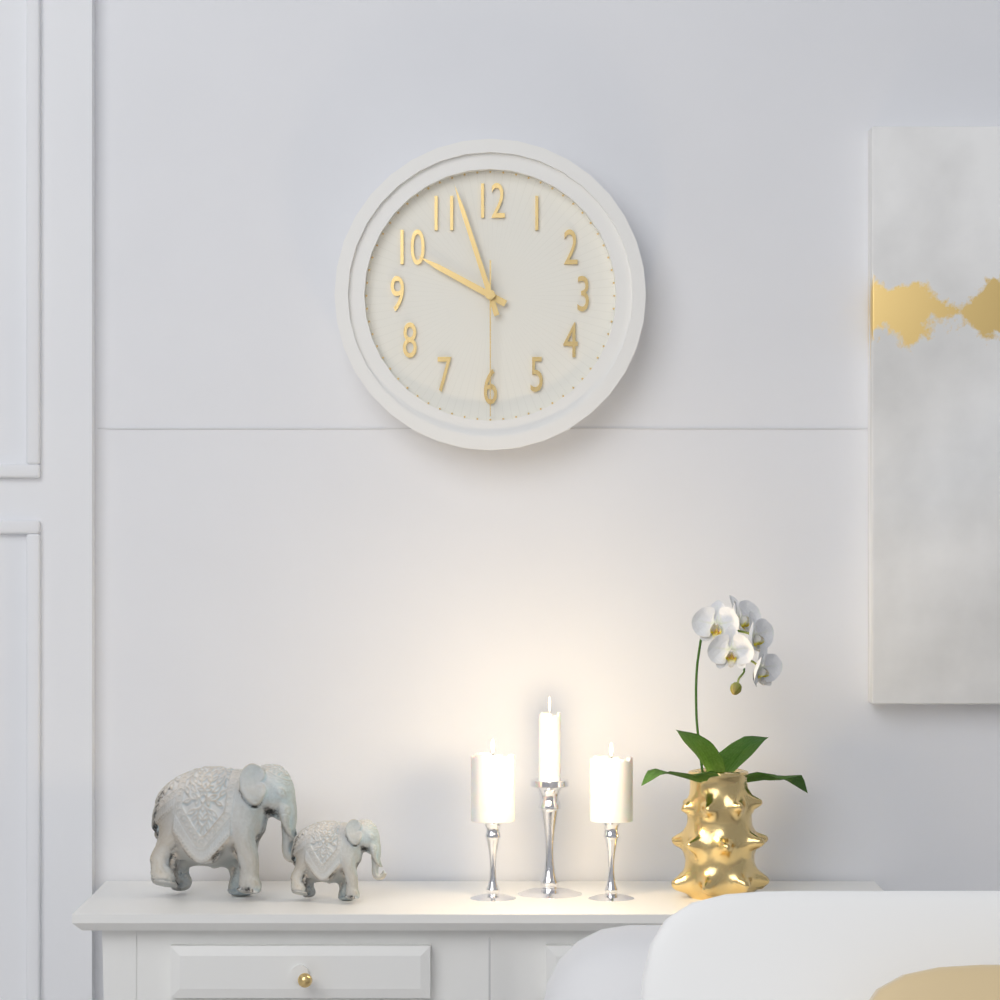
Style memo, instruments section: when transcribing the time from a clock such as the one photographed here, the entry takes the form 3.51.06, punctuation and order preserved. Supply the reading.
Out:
9.57.30
